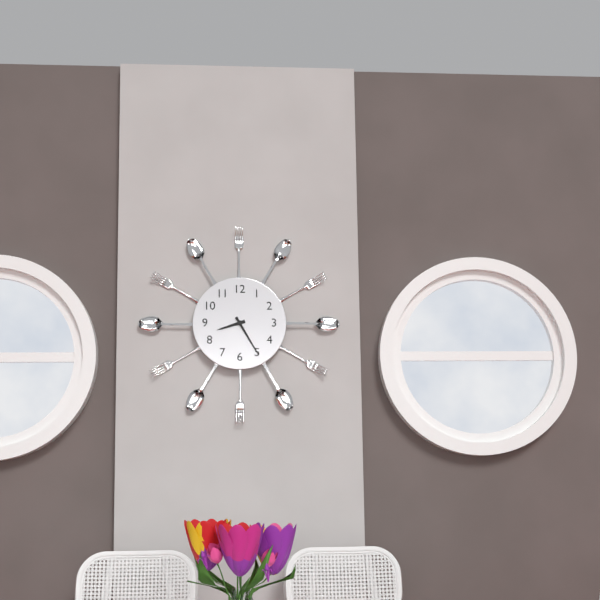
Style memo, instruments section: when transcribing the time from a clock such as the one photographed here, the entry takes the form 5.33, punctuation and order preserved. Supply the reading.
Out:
8.25
